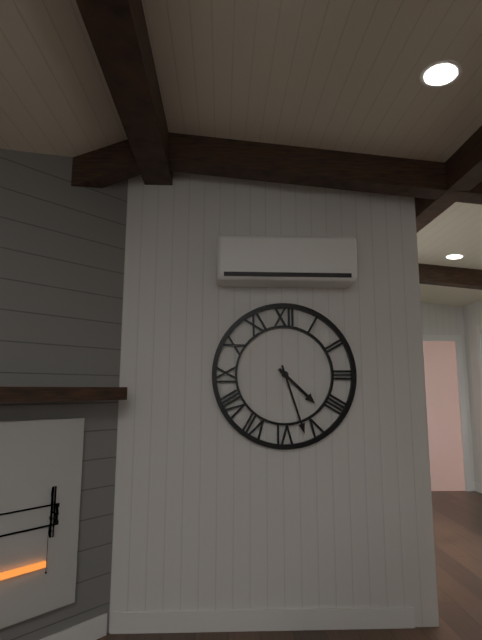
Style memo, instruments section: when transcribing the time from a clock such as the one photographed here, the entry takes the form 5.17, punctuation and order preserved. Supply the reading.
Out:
4.27
